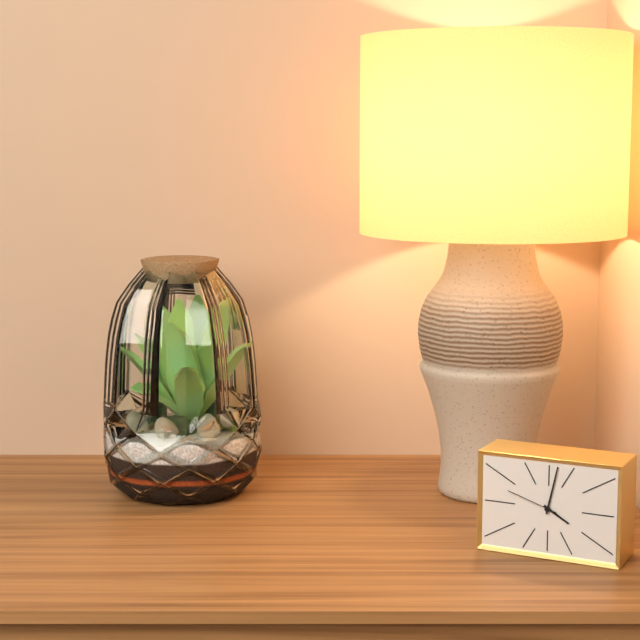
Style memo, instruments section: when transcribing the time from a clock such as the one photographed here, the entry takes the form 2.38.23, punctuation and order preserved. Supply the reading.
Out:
4.02.48
